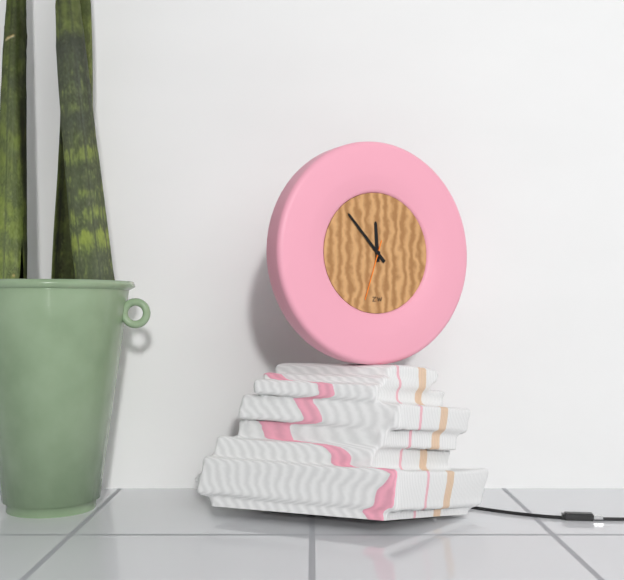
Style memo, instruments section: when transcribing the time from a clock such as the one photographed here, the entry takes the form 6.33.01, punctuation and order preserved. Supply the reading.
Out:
11.53.33
